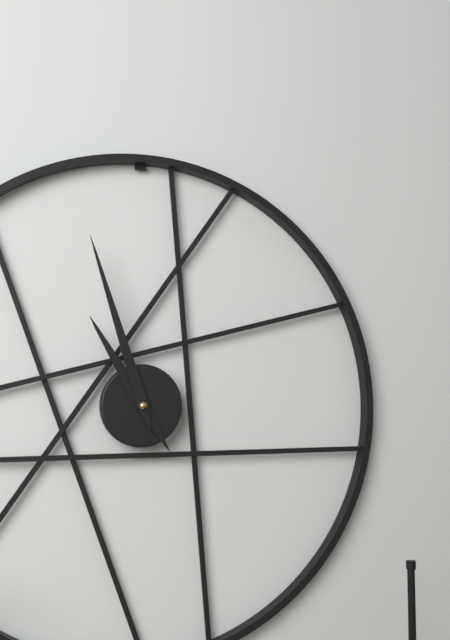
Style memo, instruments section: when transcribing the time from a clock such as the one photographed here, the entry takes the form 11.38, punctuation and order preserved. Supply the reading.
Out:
10.57
